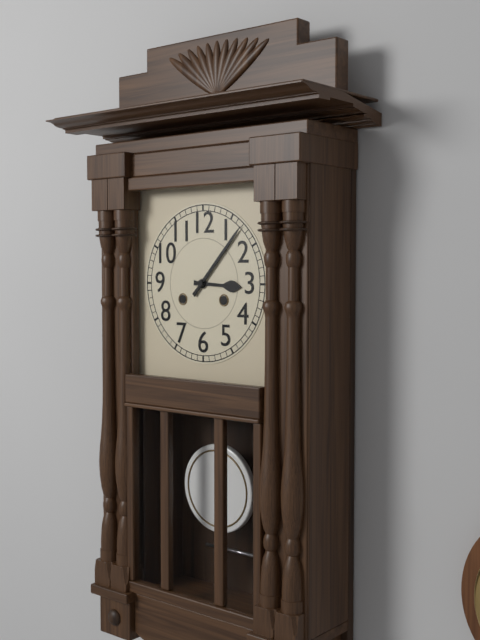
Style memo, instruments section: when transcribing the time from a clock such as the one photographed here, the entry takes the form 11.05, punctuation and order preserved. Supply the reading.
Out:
3.07
